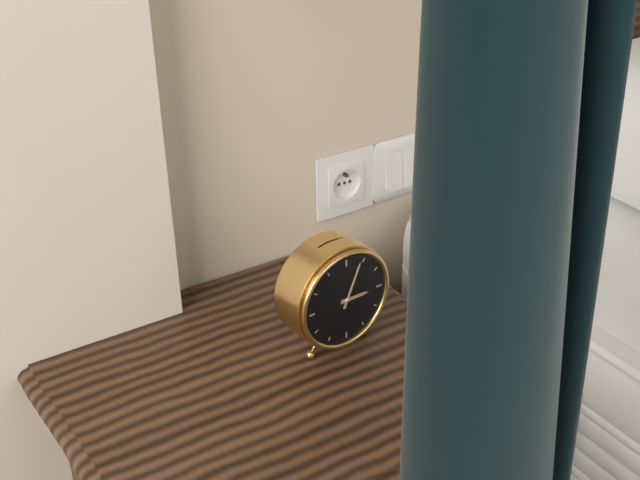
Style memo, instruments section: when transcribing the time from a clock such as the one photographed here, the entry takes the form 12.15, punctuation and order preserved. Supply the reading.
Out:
3.04
